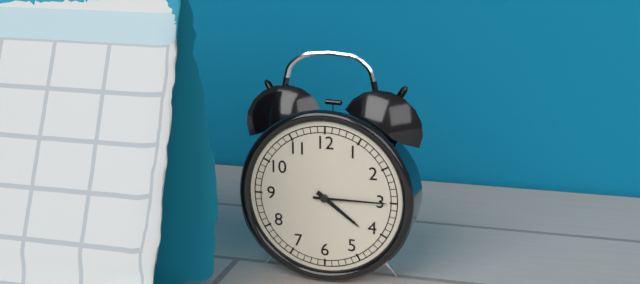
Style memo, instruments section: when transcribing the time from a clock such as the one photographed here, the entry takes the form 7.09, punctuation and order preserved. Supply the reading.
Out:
4.15
